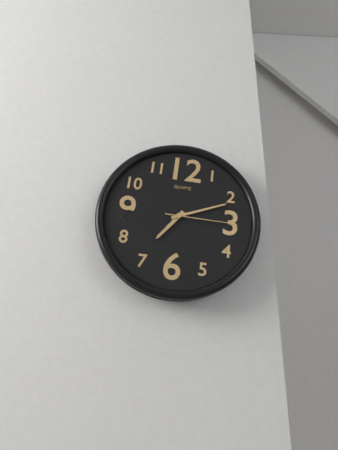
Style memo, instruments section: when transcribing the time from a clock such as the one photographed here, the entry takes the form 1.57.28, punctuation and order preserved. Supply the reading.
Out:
7.11.15
